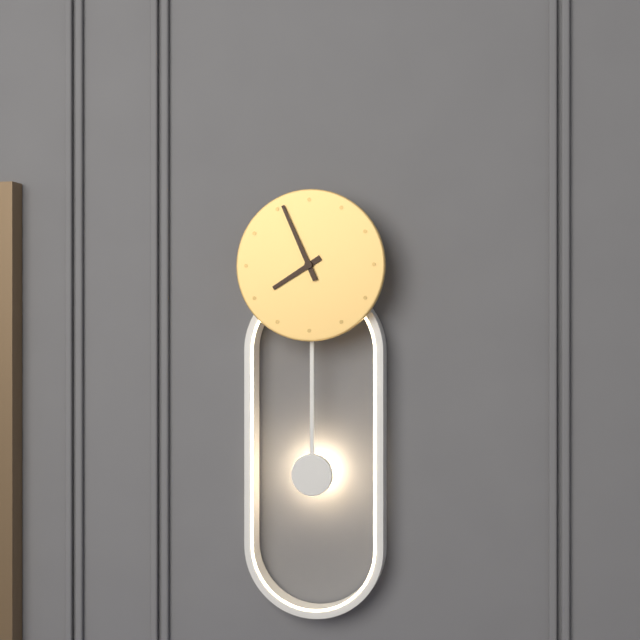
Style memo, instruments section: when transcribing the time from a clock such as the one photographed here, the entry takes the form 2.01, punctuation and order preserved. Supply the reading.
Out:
7.56
